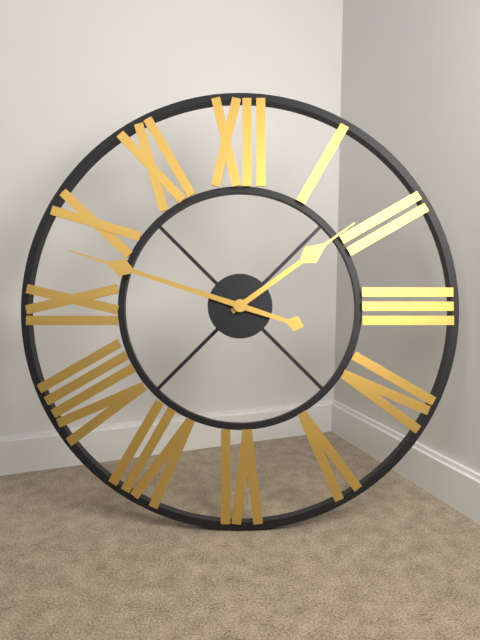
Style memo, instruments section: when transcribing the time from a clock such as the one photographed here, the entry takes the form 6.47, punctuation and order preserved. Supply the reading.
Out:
1.48
